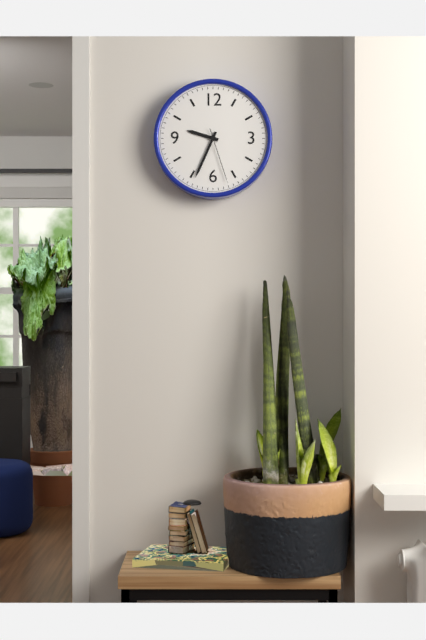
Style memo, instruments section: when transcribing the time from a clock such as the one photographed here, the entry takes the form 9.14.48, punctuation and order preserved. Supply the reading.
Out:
9.34.27
